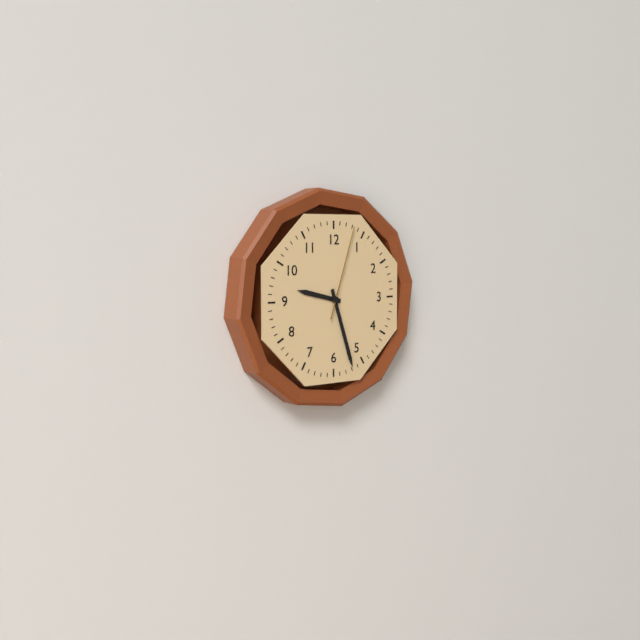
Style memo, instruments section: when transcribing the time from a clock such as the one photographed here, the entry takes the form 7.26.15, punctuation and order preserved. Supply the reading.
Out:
9.27.03
